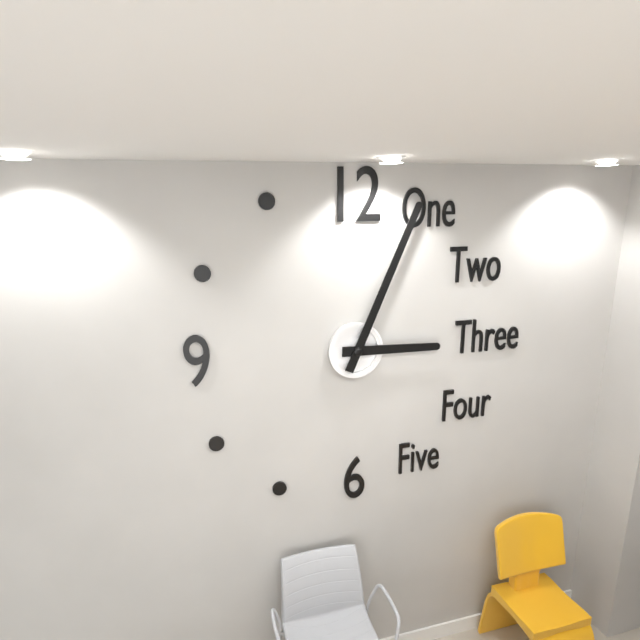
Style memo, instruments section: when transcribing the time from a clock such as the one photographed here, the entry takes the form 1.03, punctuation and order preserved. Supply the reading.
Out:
3.04
